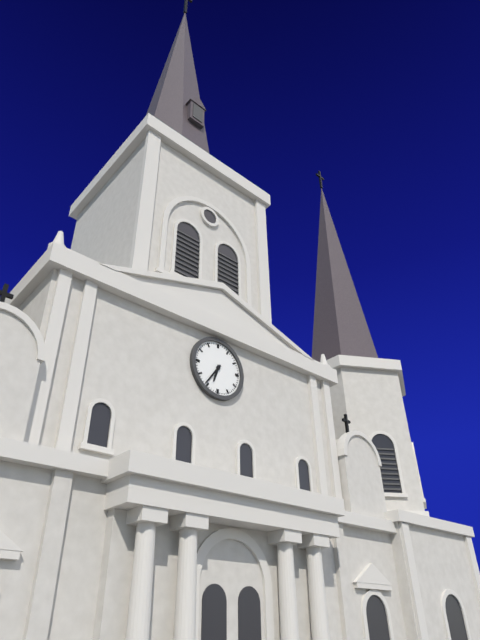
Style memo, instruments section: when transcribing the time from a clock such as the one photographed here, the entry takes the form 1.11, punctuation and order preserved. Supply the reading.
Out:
6.36
